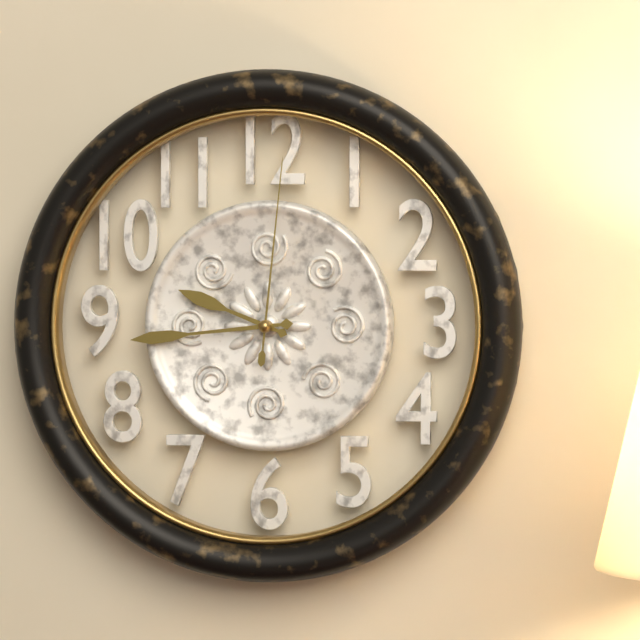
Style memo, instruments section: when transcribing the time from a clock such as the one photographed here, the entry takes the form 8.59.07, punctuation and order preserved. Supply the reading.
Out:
9.44.01
